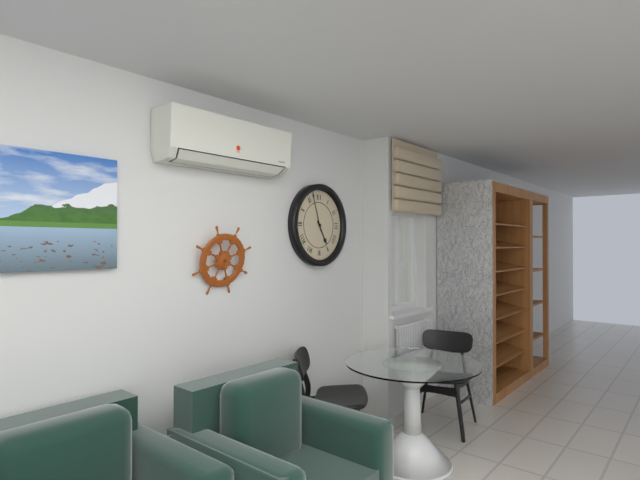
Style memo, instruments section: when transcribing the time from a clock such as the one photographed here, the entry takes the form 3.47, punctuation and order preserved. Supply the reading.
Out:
4.57
